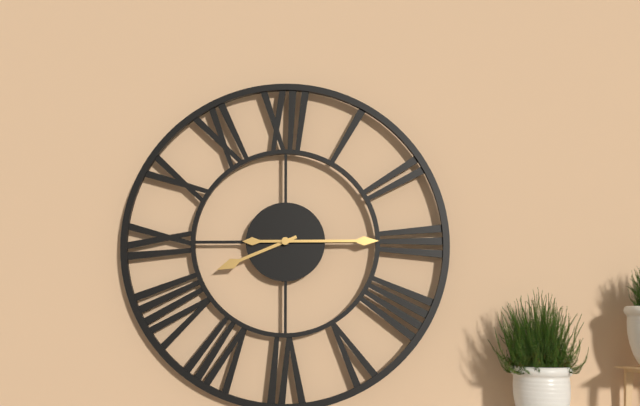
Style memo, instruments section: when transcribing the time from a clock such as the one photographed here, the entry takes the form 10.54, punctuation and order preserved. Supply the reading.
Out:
8.15
